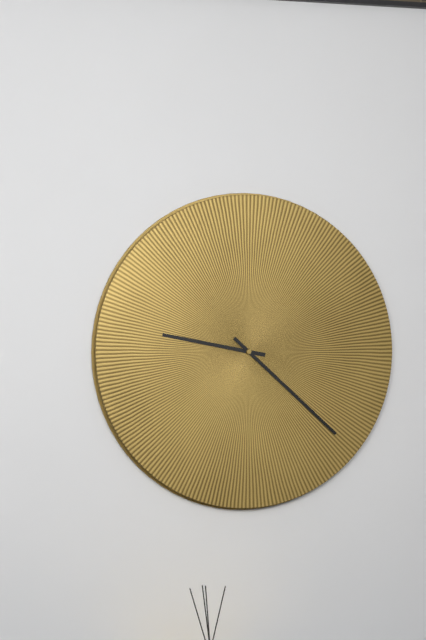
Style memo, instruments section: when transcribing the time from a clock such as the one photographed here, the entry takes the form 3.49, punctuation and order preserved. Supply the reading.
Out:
9.22
